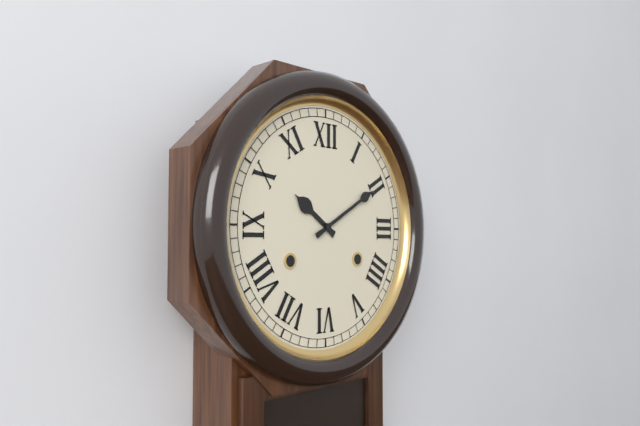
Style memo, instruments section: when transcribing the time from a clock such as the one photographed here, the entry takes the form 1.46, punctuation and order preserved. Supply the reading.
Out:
10.10
